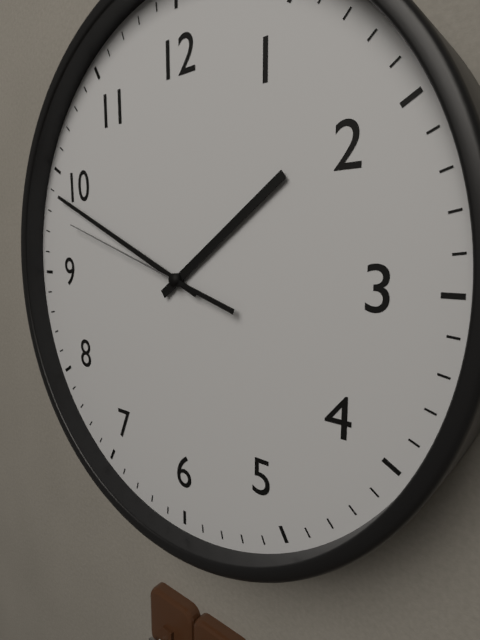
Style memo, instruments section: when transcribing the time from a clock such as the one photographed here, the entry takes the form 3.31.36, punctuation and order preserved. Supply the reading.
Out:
1.49.48
